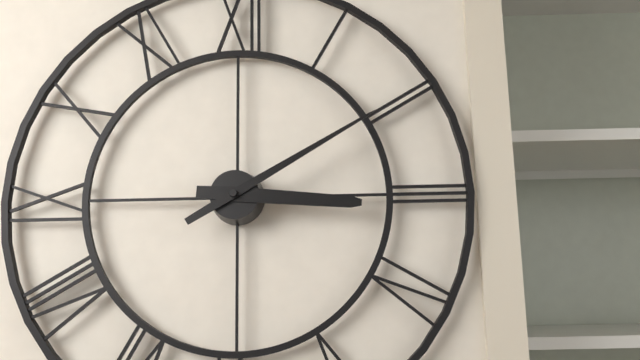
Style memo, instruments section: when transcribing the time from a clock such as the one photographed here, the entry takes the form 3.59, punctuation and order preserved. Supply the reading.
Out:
3.10
